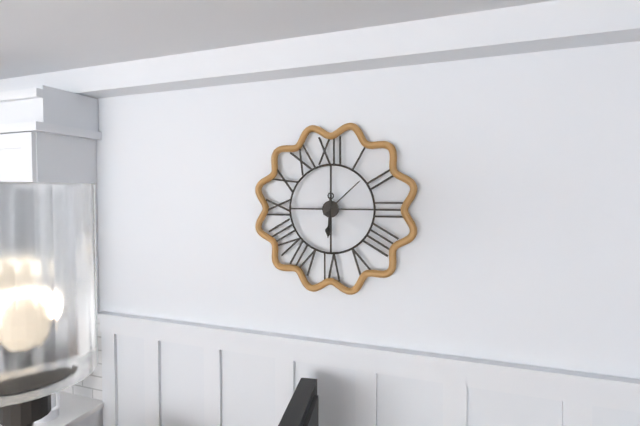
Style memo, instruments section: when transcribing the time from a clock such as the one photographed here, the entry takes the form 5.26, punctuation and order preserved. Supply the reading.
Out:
6.08
